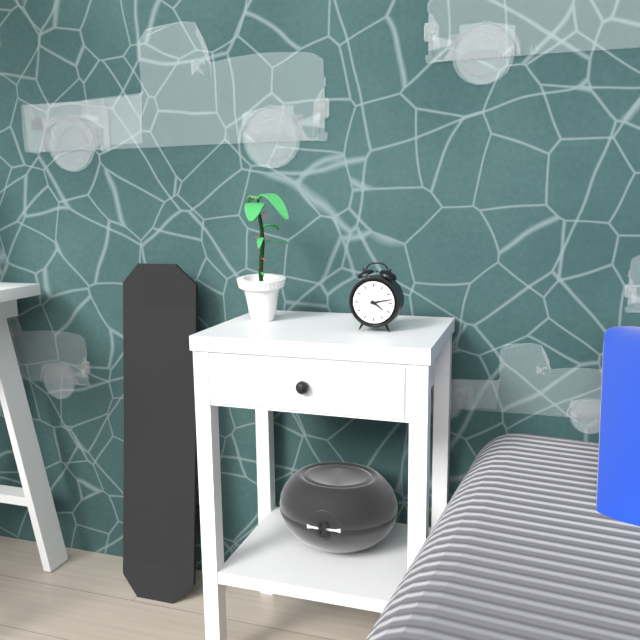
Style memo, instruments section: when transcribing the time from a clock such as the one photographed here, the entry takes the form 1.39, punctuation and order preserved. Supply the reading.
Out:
4.13
